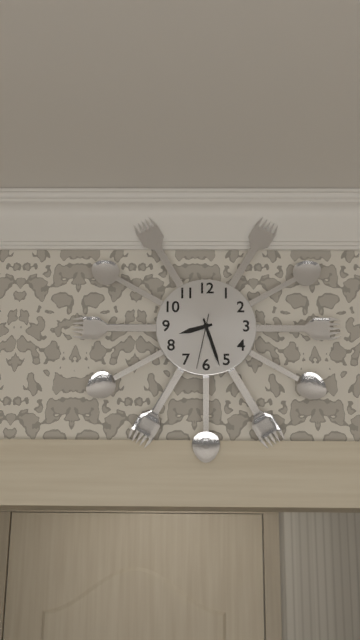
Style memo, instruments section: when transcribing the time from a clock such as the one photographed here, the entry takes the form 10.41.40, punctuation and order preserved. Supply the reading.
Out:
8.27.32
